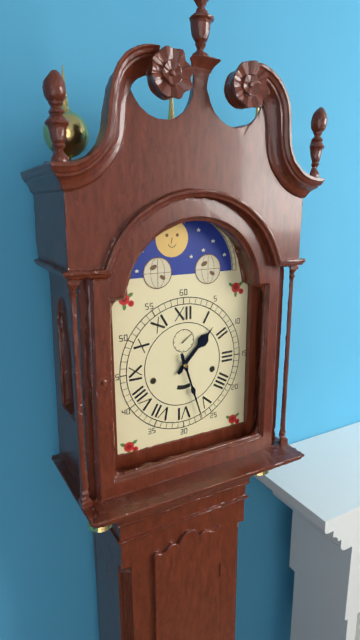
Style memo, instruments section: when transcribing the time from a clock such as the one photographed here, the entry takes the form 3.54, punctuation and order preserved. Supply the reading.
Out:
1.27
